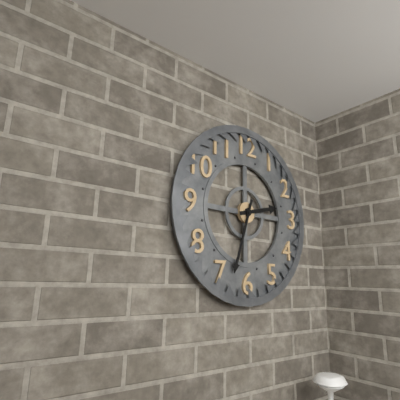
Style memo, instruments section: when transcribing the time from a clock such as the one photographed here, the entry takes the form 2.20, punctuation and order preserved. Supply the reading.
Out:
2.33
